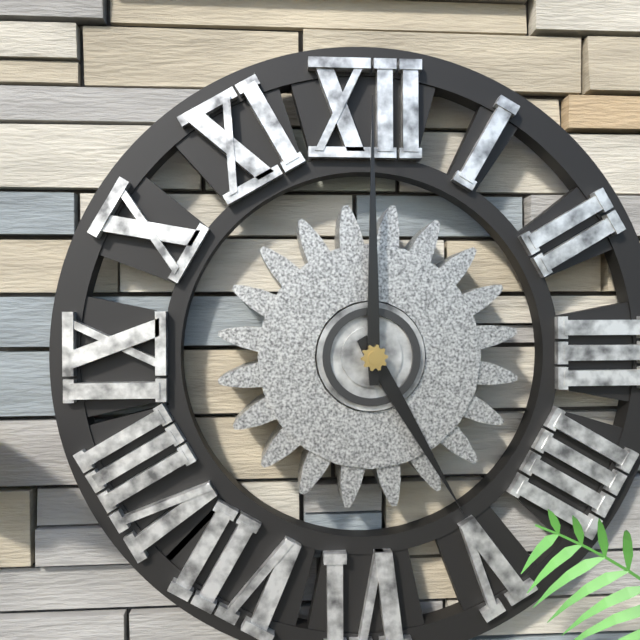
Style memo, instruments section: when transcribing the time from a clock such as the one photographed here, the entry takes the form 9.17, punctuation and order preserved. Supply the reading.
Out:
5.00
